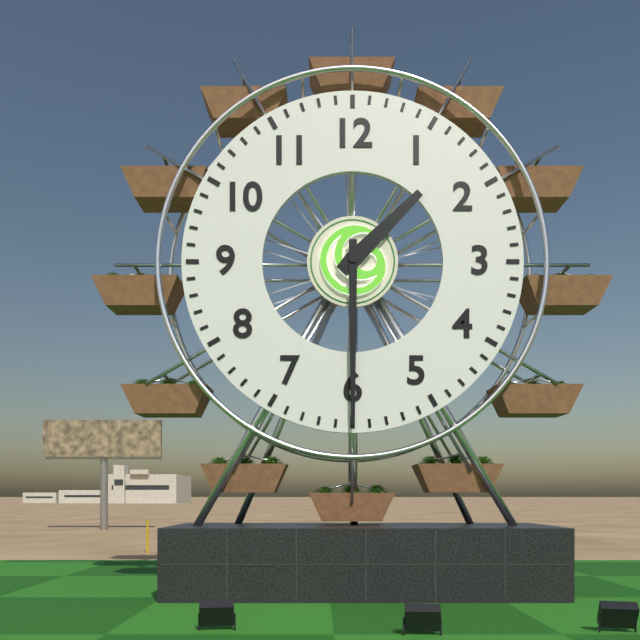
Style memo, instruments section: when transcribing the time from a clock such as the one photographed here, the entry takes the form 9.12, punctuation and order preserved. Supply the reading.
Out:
1.30
